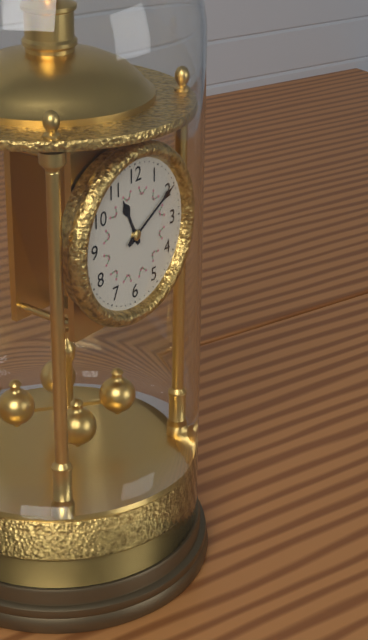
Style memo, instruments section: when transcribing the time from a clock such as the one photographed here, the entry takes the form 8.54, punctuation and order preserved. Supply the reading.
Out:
11.10
